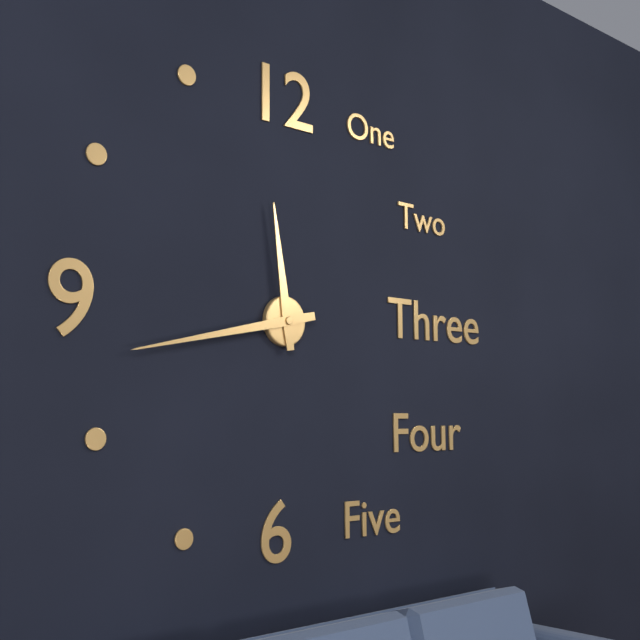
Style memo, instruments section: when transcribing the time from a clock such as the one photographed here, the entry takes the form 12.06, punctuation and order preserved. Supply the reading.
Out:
11.43
